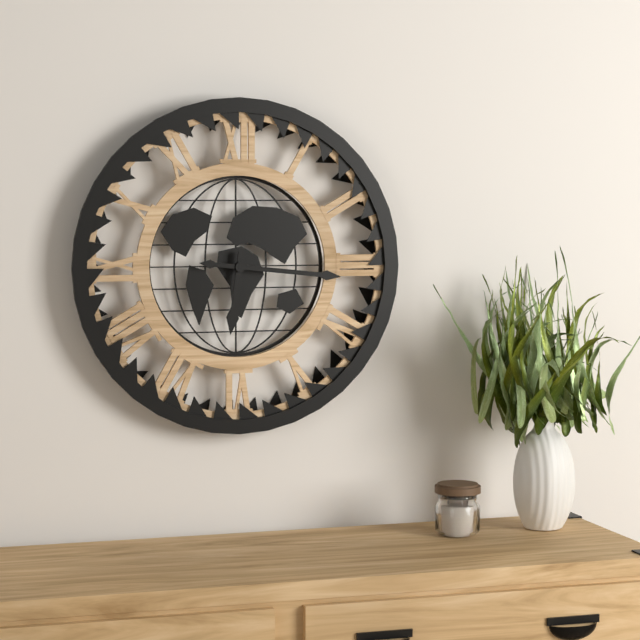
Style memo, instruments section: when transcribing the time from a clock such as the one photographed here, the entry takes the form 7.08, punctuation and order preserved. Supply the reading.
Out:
6.16
